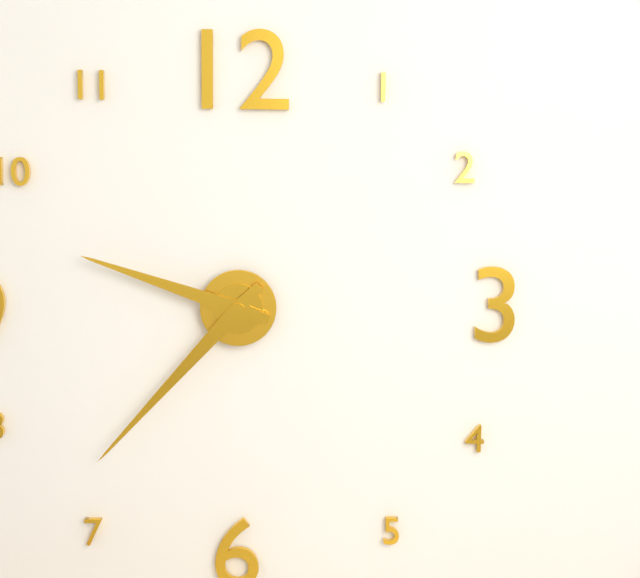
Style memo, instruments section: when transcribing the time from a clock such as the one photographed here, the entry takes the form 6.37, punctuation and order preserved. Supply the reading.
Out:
9.37
